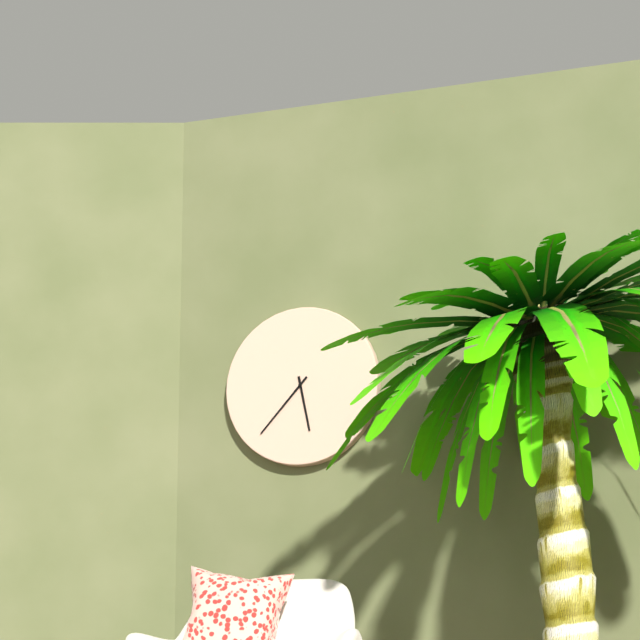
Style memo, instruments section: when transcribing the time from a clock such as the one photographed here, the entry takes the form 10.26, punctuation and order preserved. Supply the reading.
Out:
5.37
